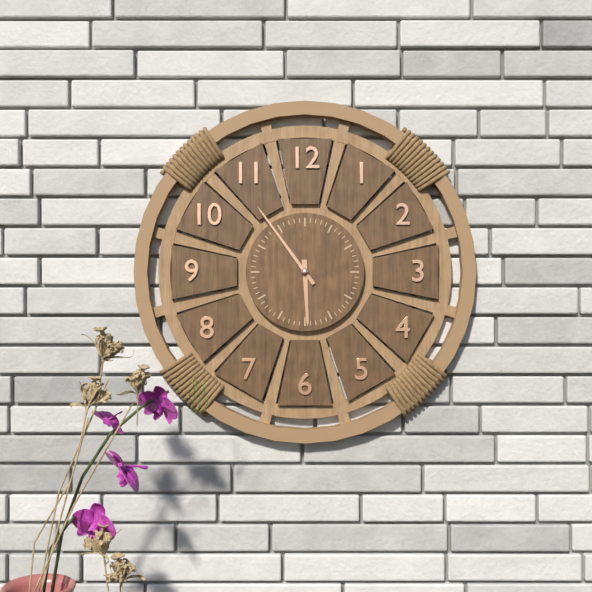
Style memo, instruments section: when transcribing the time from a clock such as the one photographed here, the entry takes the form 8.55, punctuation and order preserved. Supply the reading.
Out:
5.54
